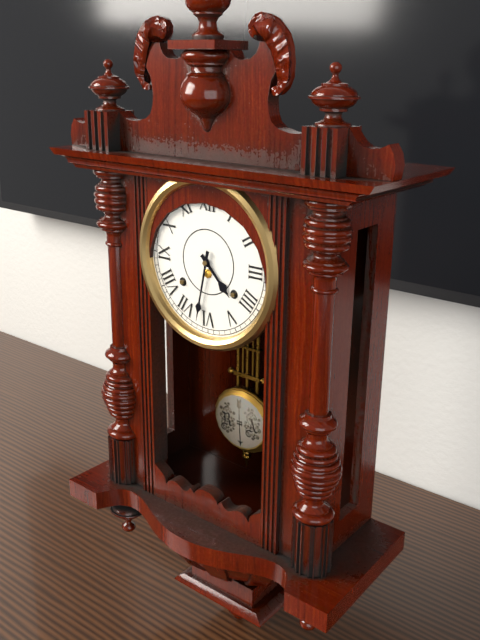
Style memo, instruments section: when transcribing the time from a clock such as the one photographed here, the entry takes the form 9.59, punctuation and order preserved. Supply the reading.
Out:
4.32
